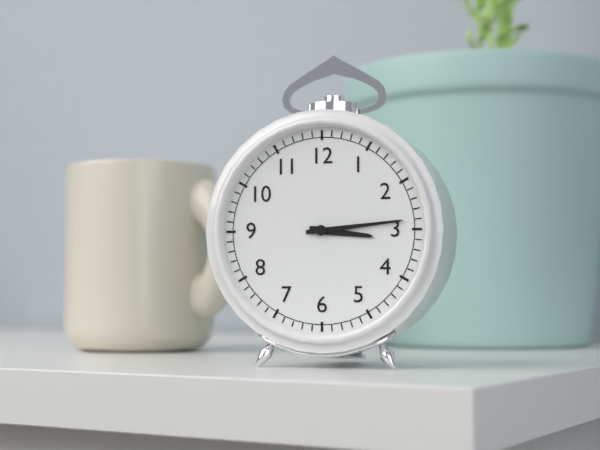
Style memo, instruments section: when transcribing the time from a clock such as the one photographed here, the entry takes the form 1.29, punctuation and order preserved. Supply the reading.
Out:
3.14
